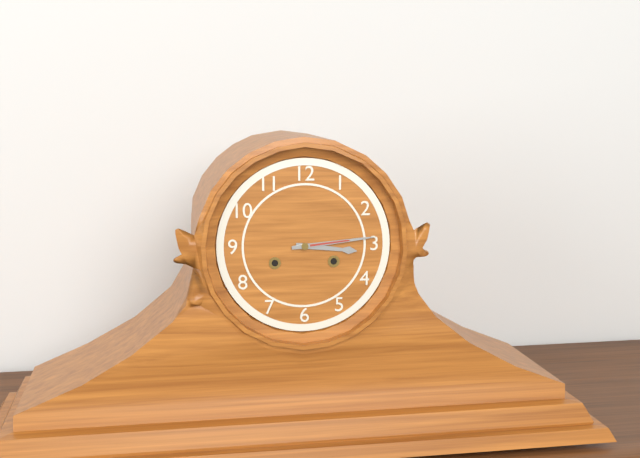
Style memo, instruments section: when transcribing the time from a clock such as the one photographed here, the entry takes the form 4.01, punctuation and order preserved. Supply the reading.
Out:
3.14
